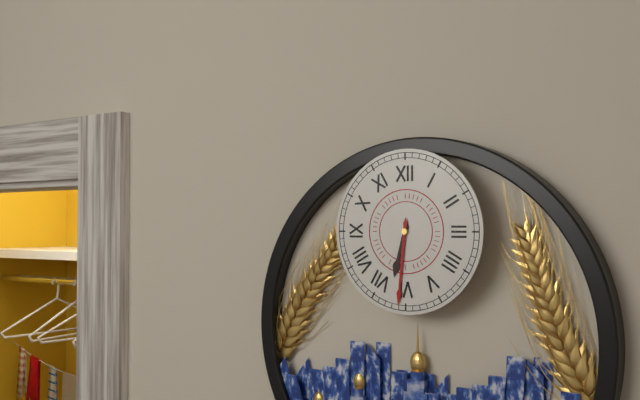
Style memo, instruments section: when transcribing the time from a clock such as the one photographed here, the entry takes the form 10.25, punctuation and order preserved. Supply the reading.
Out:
6.31
